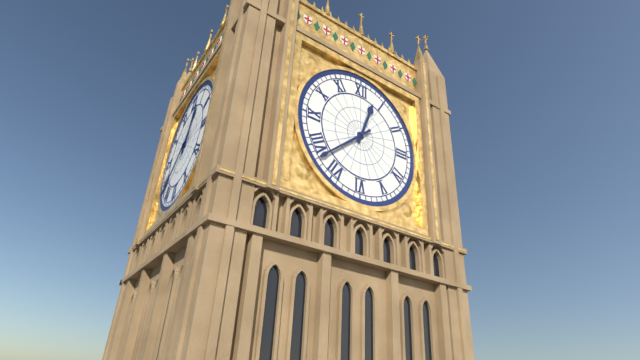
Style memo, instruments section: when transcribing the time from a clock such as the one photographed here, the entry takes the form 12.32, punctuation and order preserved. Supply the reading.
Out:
12.38
